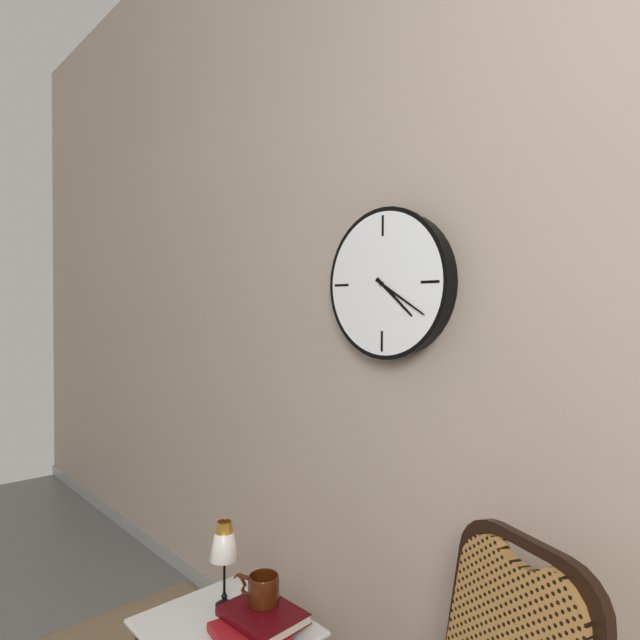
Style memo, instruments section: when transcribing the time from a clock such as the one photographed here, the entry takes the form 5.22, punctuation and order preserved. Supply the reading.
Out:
4.20
